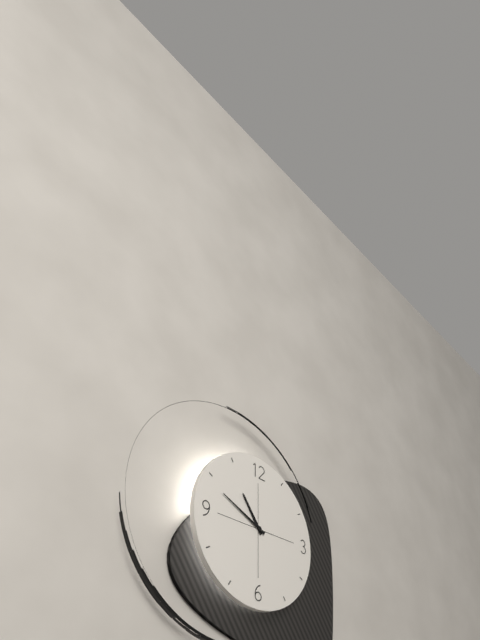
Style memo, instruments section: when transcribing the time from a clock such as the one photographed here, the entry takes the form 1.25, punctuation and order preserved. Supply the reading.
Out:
10.49
